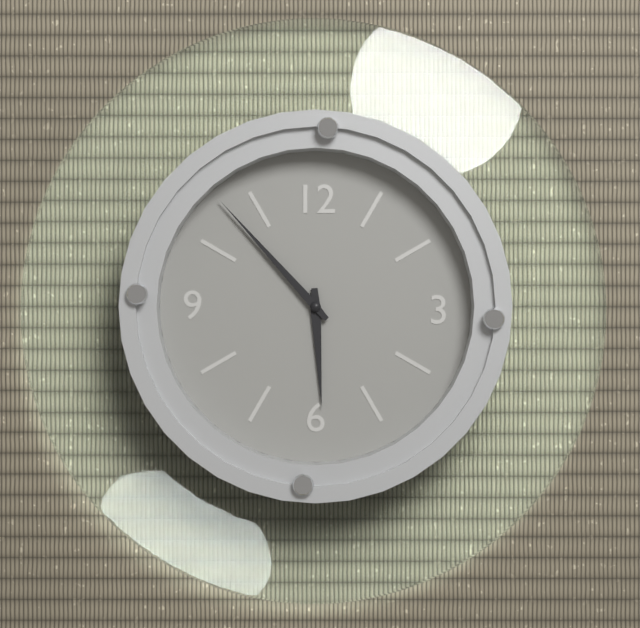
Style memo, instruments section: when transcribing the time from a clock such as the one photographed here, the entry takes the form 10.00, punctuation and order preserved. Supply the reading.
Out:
5.53
